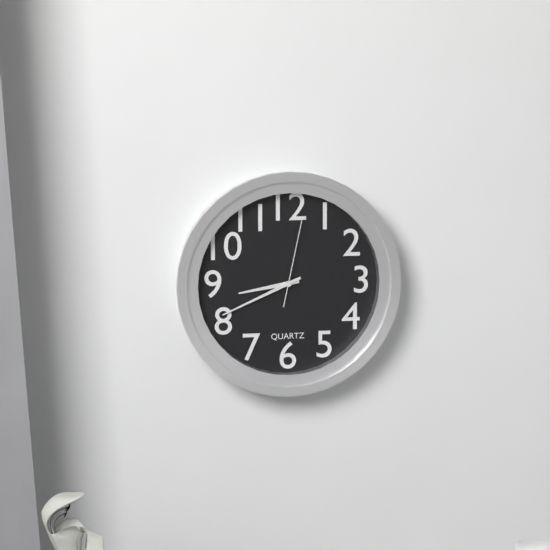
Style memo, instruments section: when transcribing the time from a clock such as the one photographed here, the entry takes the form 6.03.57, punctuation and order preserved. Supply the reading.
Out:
8.41.02
